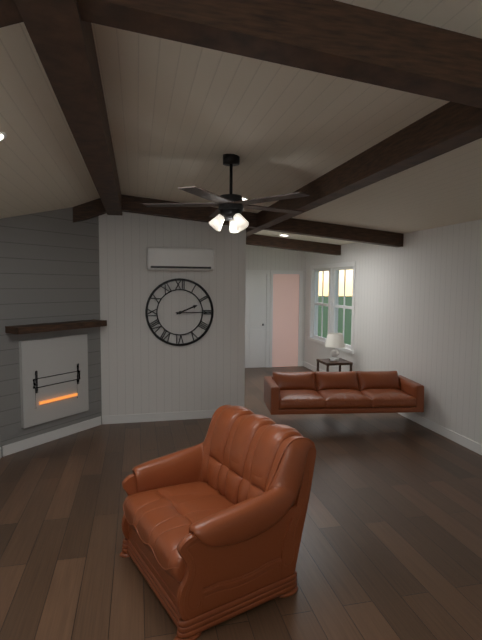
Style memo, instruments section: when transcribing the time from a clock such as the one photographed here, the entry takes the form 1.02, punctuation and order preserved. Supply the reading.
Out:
2.15
